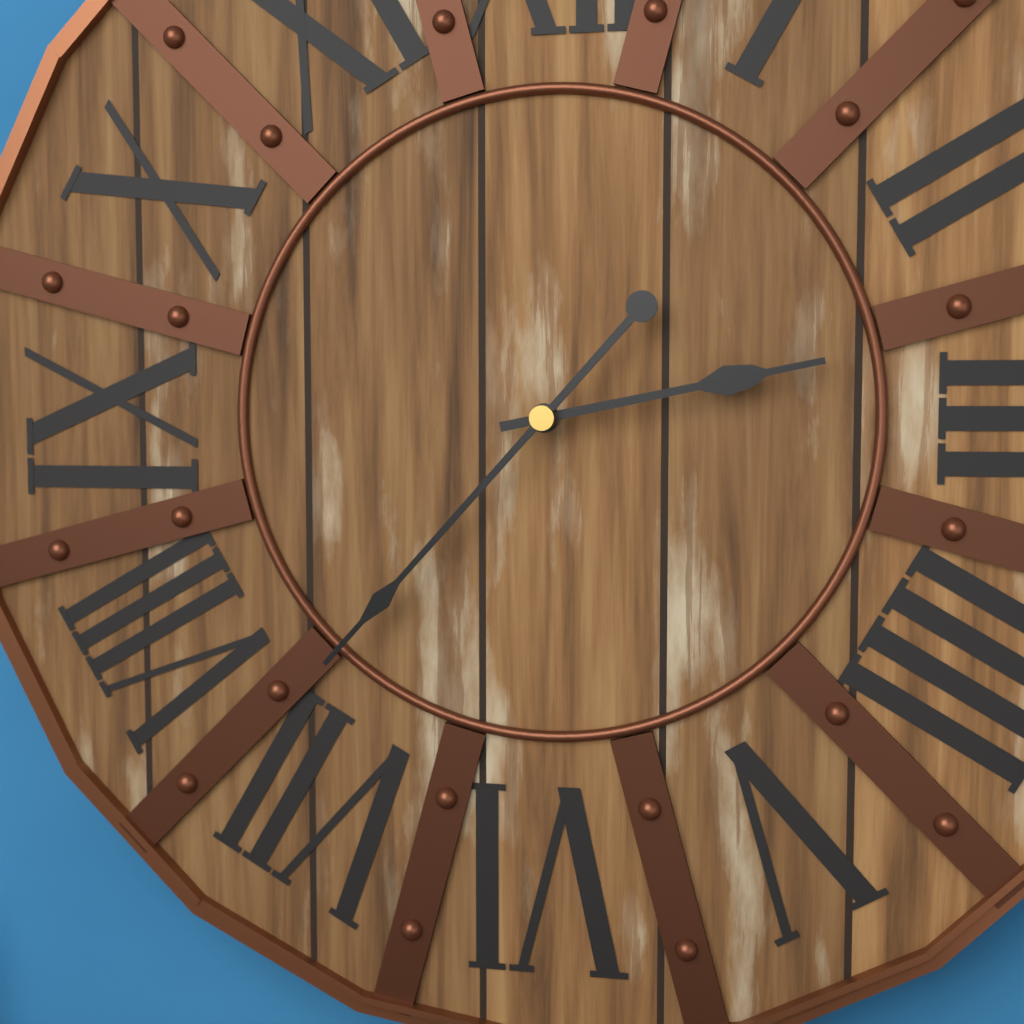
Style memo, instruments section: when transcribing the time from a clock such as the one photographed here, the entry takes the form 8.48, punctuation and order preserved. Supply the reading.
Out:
2.37
